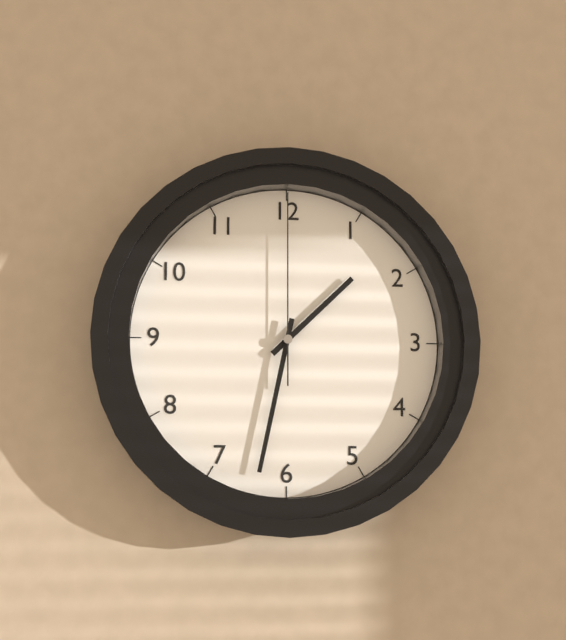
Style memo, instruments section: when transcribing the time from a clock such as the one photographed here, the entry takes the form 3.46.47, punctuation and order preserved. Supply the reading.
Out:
1.32.00
